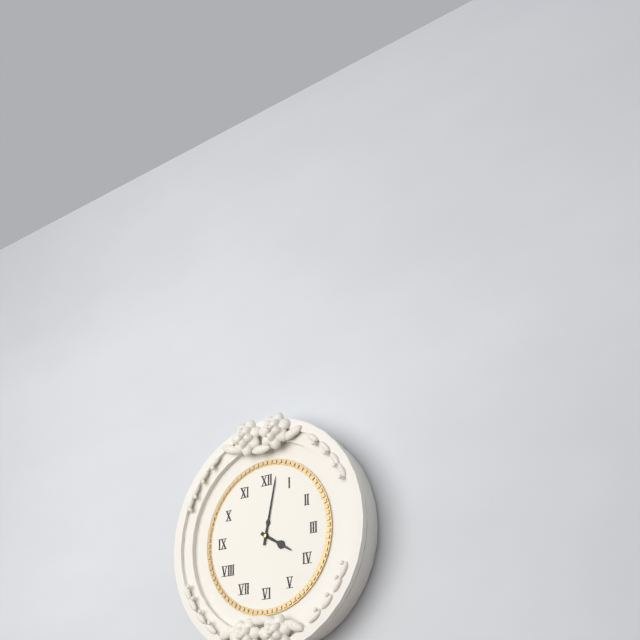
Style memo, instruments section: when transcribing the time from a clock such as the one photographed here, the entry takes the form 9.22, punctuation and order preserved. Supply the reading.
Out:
4.02
